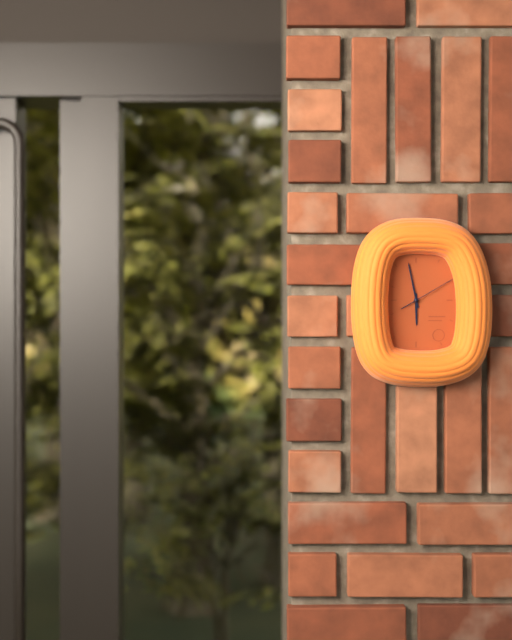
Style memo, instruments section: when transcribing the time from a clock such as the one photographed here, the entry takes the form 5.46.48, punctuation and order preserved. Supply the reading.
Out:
5.58.10
